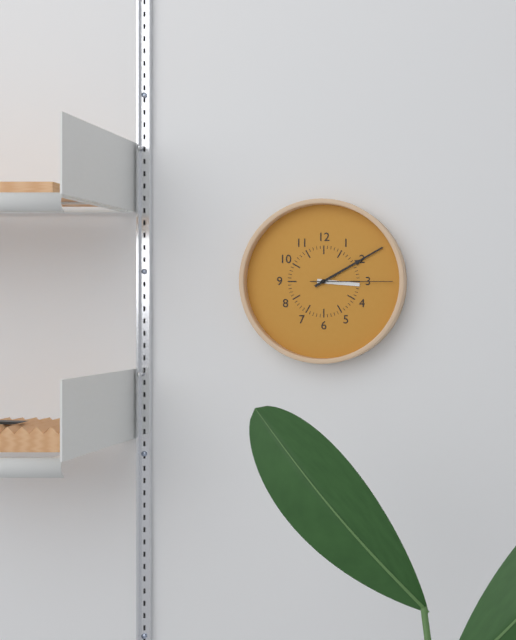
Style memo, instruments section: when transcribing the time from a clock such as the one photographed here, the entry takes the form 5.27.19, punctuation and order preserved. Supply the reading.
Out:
3.10.15
